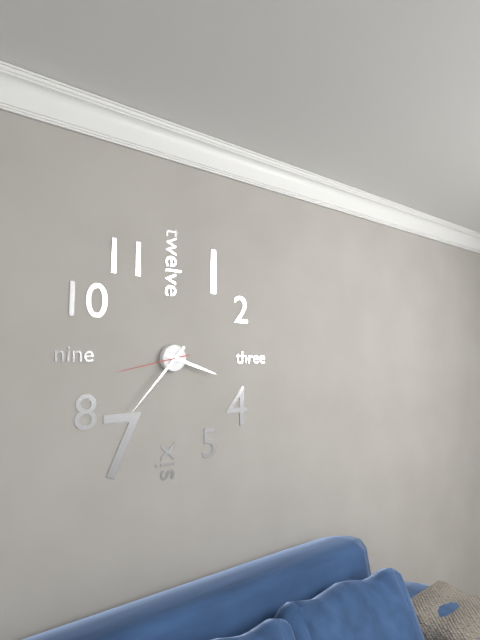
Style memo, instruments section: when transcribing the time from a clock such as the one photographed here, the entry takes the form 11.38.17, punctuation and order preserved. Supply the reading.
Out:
3.37.43
